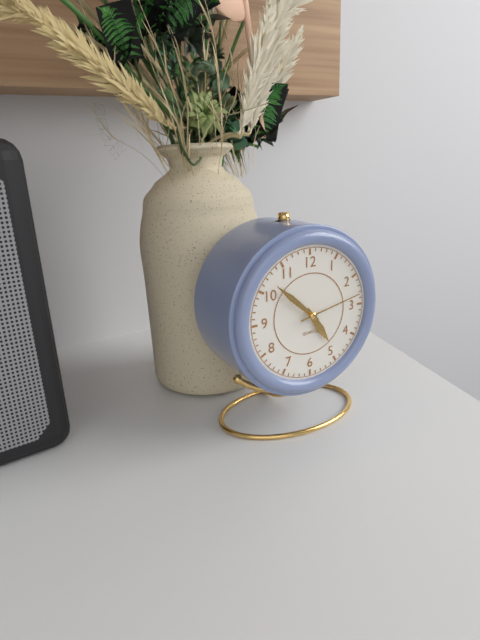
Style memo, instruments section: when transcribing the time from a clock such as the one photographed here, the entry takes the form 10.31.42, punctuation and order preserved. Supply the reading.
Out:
4.52.13
